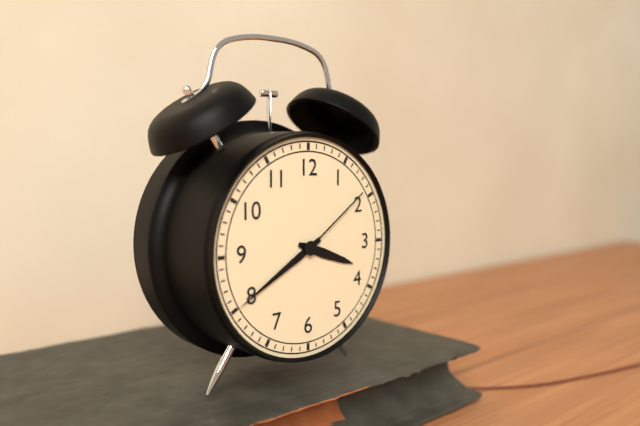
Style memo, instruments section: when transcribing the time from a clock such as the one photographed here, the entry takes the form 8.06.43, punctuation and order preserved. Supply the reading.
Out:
3.40.09
